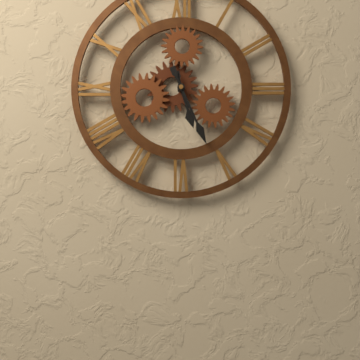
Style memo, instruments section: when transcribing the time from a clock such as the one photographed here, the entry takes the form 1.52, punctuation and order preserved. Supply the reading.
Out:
5.26
